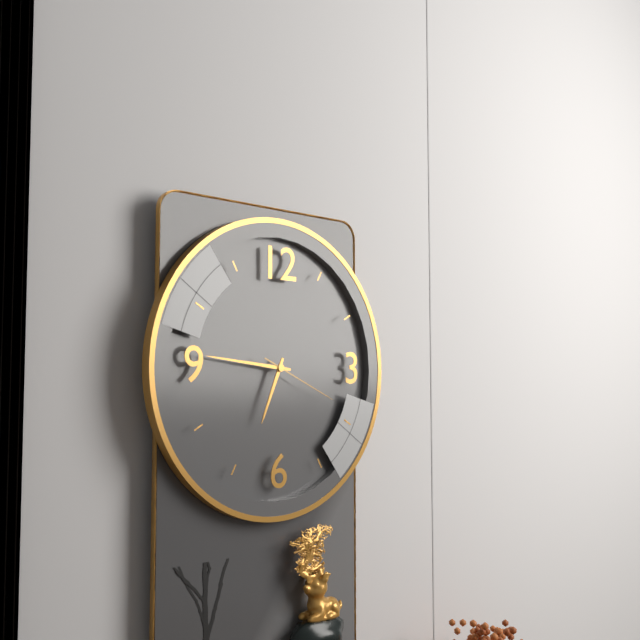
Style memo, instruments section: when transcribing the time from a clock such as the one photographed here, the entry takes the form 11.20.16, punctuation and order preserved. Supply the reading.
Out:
6.46.19
